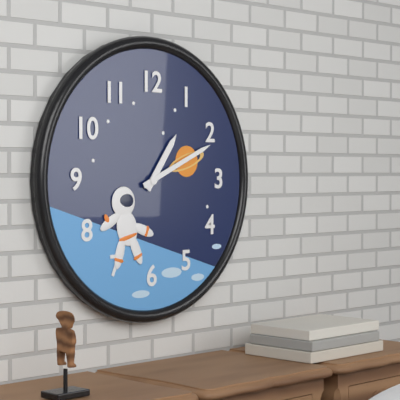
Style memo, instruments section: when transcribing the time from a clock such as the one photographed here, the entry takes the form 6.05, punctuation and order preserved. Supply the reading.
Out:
1.11
